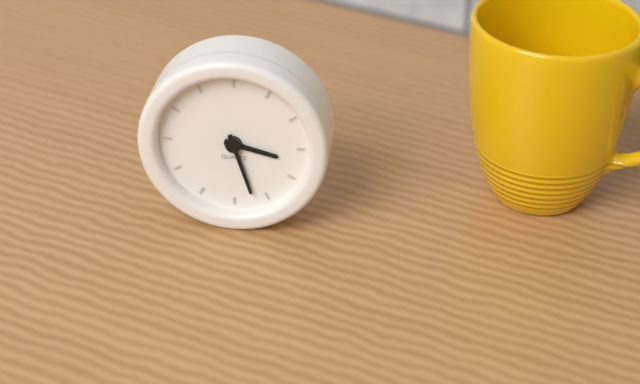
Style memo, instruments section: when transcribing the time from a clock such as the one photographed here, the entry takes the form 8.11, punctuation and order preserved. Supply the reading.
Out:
3.27
